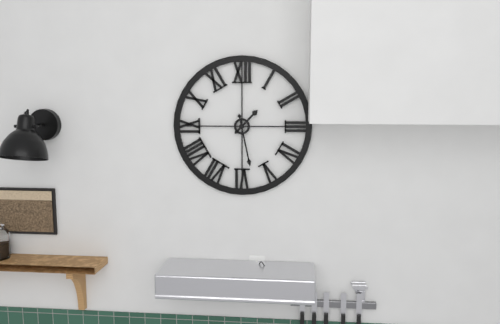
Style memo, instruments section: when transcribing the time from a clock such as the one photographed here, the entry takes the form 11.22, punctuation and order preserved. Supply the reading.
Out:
1.28
